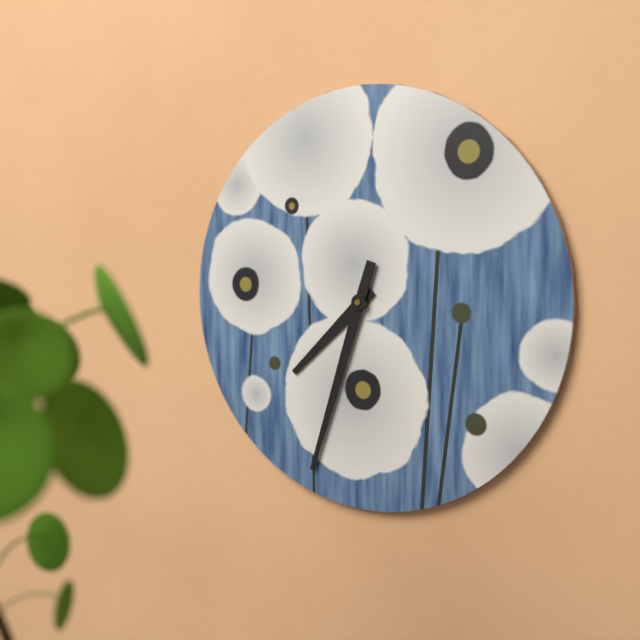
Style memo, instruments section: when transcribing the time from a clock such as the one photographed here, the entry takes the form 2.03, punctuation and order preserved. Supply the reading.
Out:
7.33
